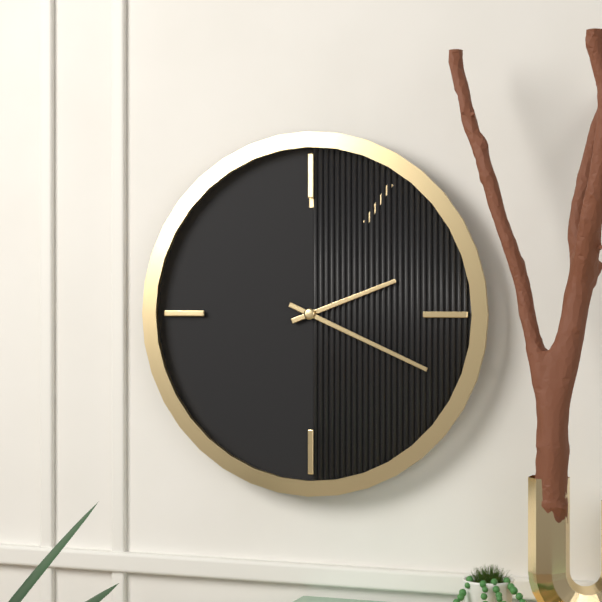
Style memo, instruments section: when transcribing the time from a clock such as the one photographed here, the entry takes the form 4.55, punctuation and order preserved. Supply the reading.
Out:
2.19
